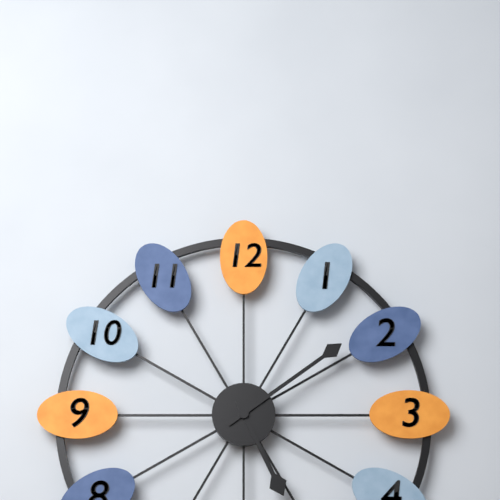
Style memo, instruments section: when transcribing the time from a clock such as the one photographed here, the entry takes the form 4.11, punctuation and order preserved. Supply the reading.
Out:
5.09
